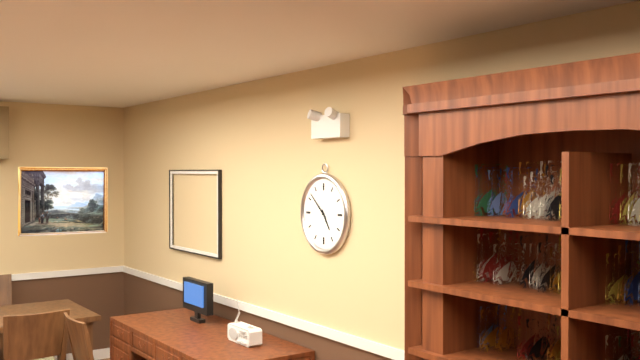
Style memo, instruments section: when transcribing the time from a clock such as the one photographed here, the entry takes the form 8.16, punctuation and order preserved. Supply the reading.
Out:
4.52
